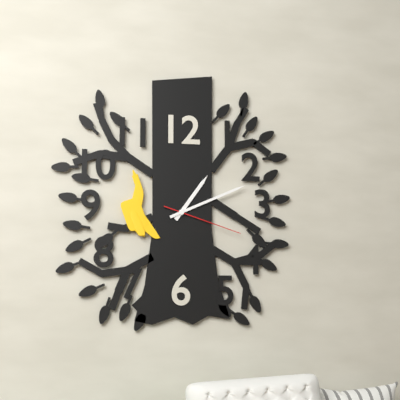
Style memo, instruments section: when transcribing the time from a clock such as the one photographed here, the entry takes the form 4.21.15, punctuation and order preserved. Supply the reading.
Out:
1.11.18
